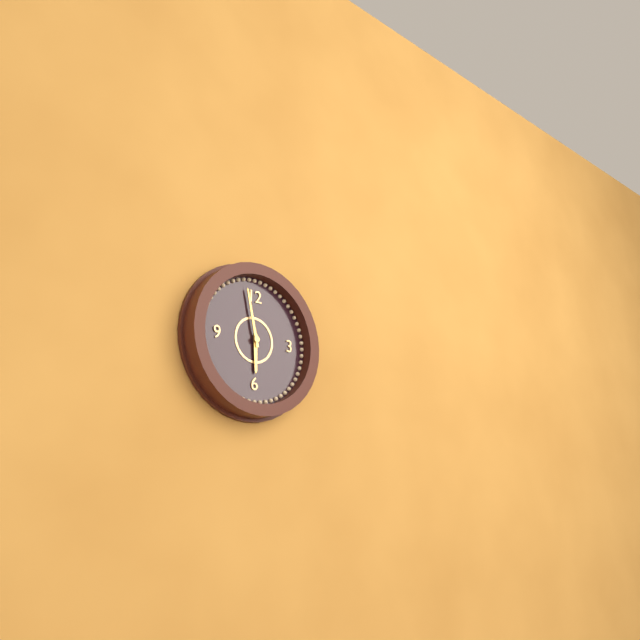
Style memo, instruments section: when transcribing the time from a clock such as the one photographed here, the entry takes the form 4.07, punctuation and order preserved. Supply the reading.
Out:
5.58
